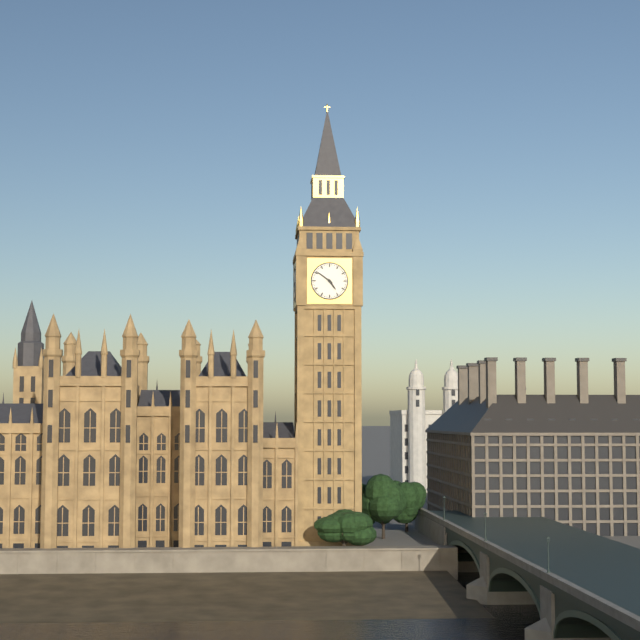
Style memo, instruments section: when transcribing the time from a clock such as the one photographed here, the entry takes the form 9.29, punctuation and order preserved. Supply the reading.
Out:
4.51
